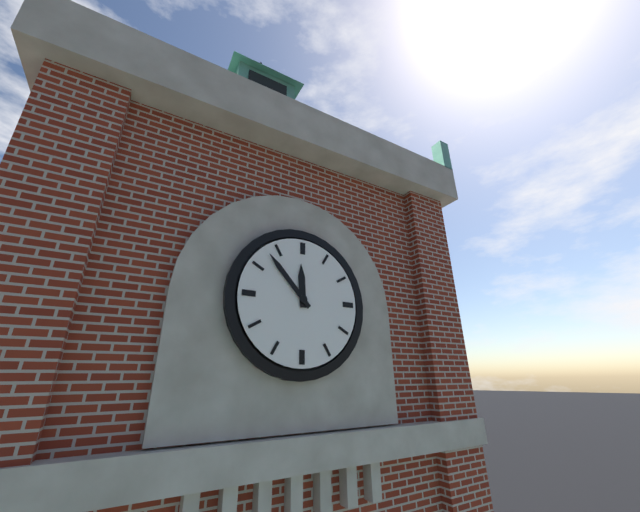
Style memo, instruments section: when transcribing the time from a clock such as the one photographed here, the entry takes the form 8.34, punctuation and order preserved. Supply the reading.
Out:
11.53
